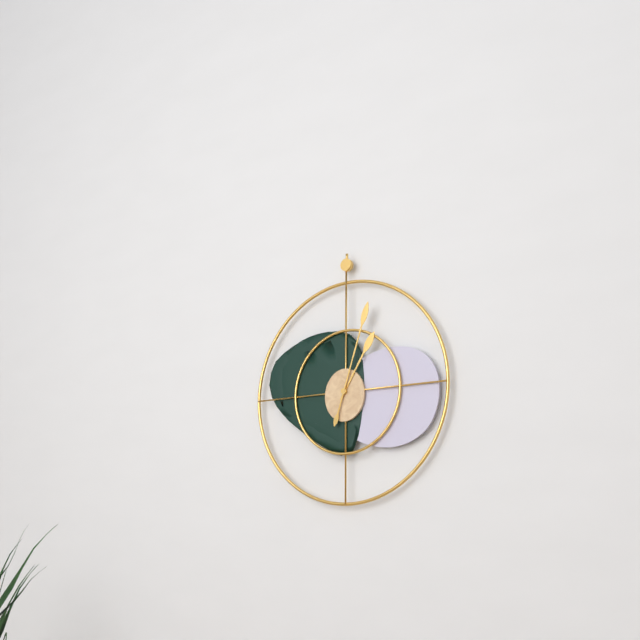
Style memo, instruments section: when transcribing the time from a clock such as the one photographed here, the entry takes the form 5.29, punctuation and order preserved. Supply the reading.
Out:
1.03
